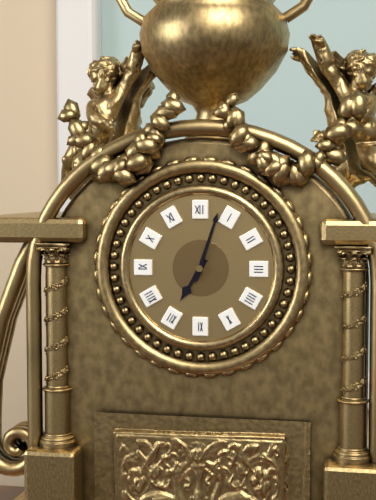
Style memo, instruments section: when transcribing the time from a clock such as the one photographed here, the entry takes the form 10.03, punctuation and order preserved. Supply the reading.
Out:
7.03
